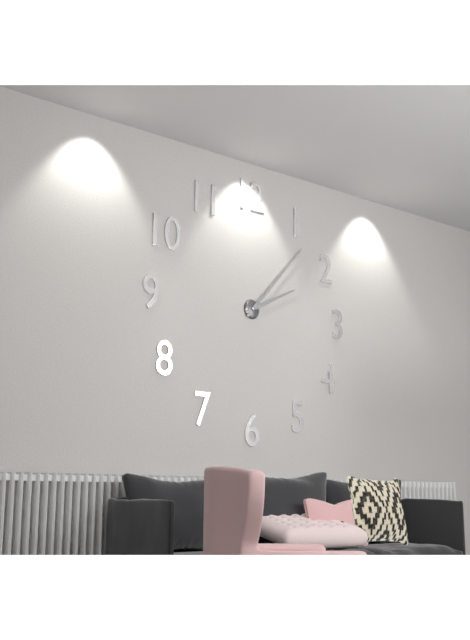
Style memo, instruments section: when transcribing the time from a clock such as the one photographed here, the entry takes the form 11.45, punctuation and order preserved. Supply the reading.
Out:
2.07
